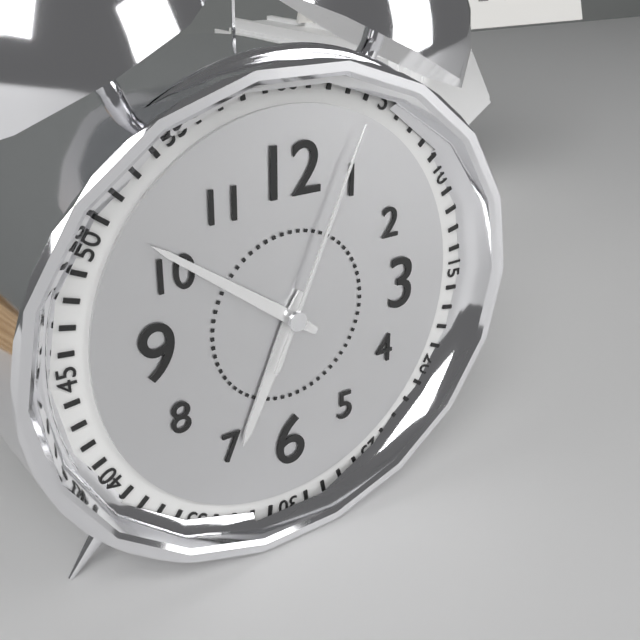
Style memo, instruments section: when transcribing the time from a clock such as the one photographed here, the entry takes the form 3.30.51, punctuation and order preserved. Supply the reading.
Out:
6.51.04
